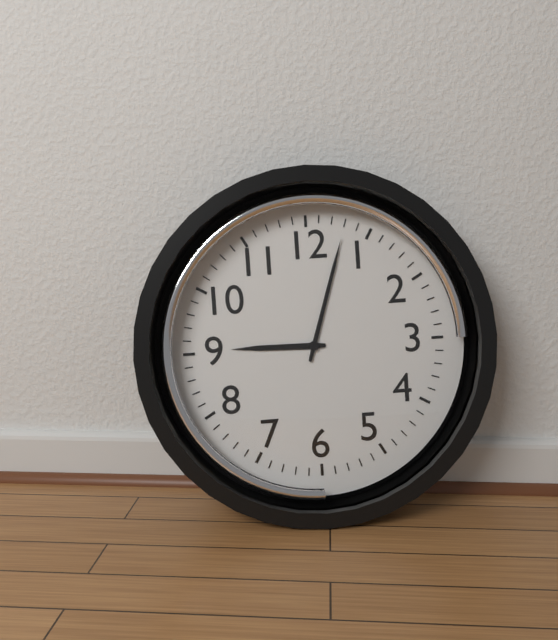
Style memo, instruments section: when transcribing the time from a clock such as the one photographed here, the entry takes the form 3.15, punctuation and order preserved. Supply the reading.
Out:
9.03
